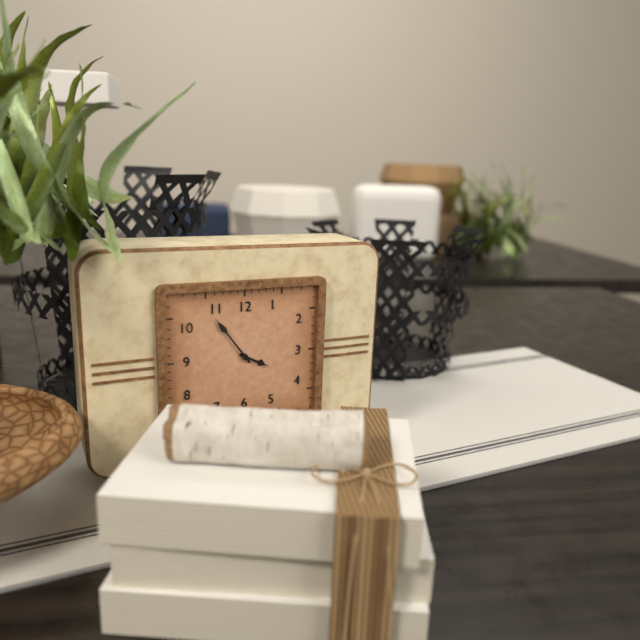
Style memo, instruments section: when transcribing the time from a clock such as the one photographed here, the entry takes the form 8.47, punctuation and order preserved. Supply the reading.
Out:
3.54
